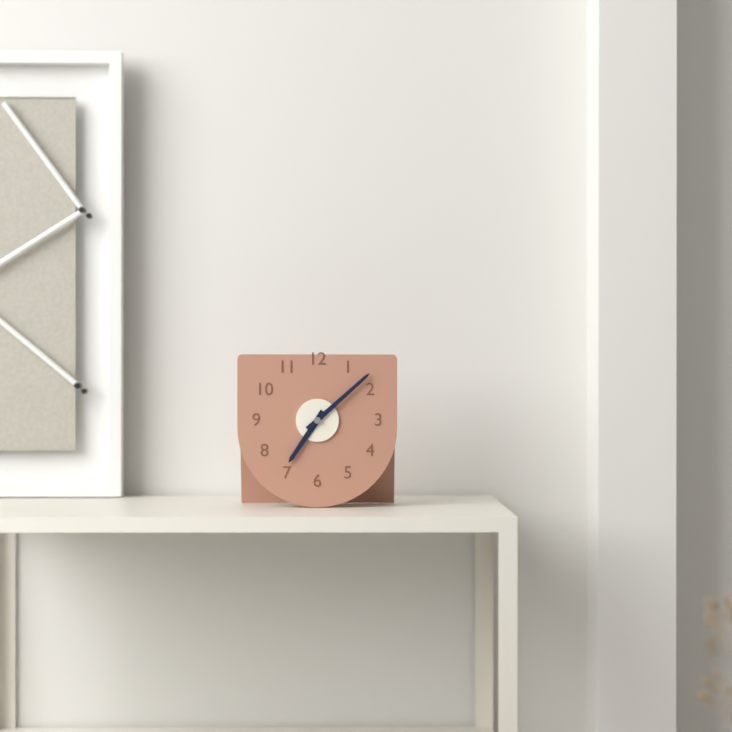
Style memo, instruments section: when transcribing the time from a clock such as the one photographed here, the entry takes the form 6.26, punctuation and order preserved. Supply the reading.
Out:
7.08
